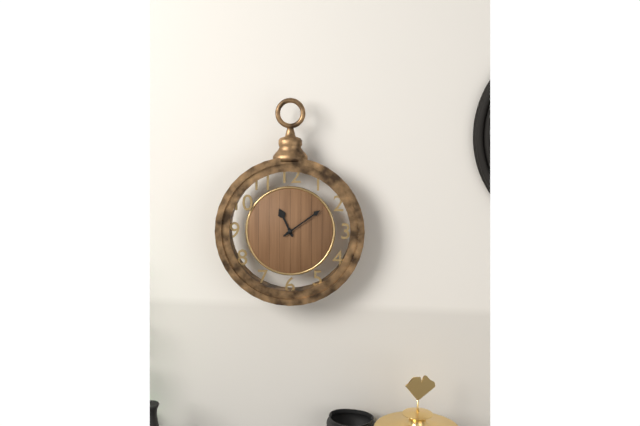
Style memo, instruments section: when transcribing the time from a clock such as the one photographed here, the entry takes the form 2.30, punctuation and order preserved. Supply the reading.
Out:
11.09
